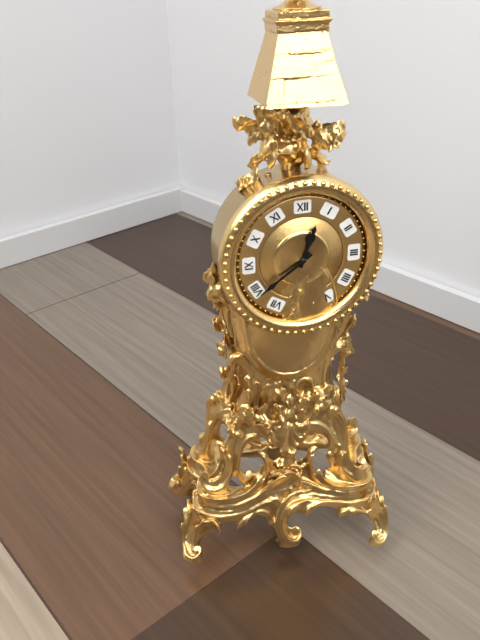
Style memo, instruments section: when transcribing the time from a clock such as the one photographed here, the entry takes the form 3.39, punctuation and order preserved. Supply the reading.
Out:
12.39
